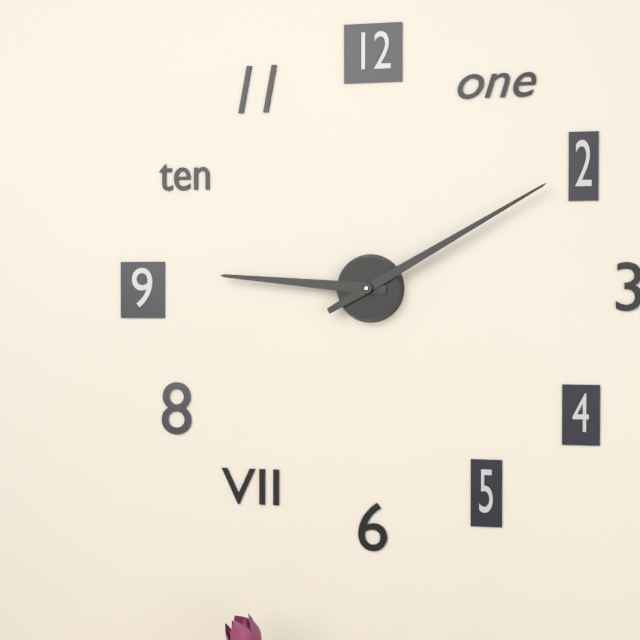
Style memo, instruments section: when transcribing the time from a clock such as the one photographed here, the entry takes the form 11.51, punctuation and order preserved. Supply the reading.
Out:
9.10
